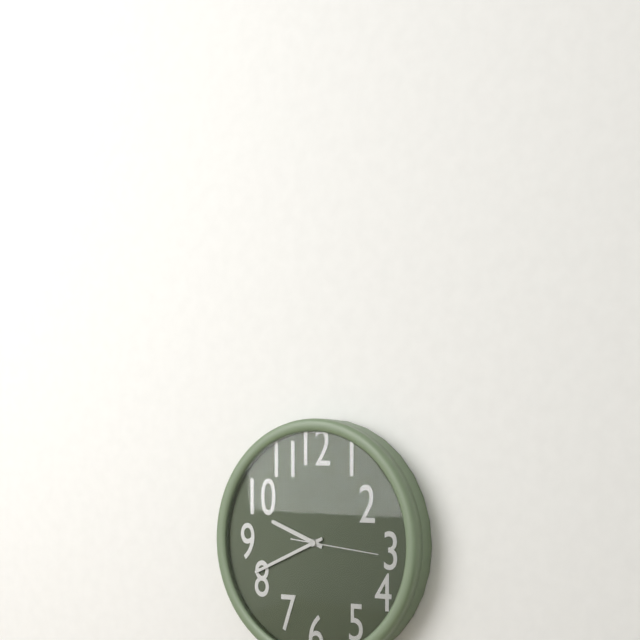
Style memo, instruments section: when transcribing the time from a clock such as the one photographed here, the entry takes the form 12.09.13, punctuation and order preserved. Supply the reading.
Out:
9.41.16
